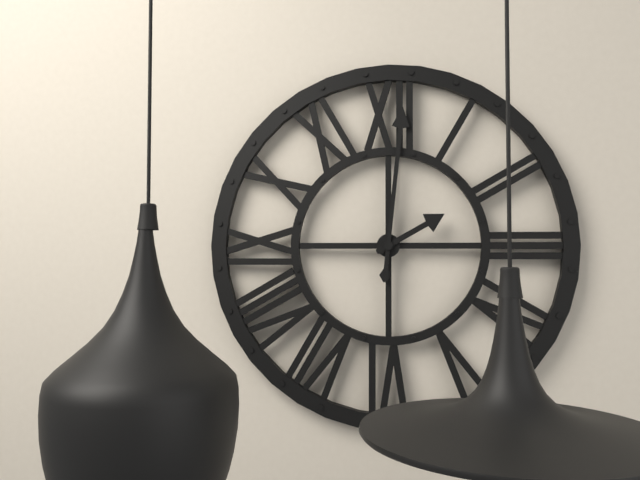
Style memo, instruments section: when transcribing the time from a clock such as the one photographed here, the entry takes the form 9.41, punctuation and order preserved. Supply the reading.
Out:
2.01
